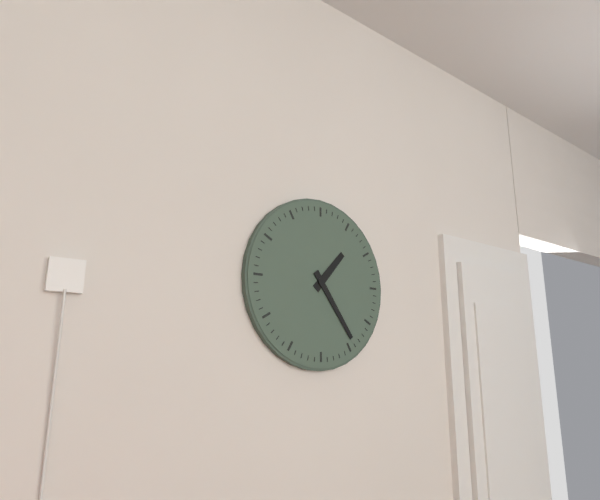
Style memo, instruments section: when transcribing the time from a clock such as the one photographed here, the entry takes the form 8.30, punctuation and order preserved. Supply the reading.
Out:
1.24
